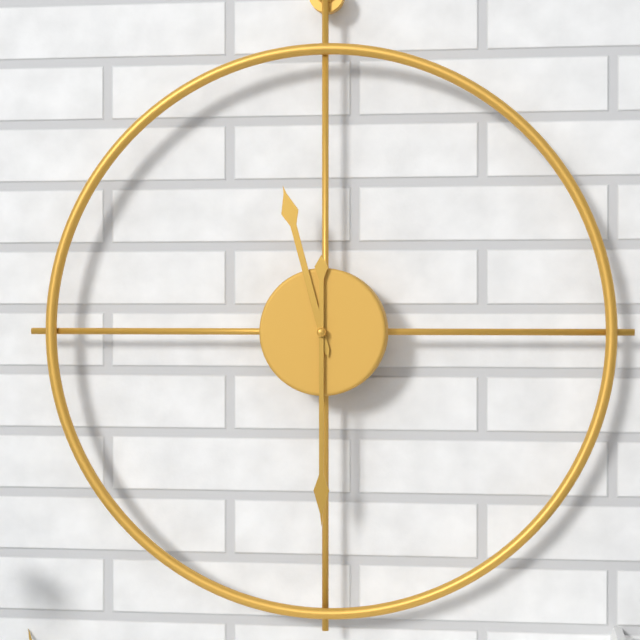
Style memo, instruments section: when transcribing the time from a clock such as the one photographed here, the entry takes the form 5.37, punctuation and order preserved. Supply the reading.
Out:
11.30
